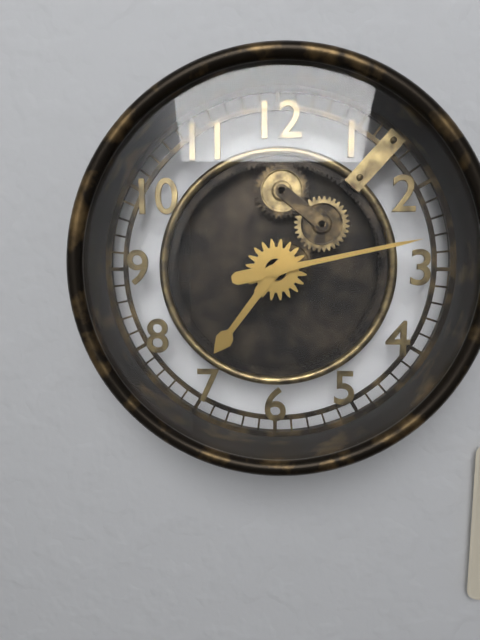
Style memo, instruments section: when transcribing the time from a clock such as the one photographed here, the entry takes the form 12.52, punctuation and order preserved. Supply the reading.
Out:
7.13
